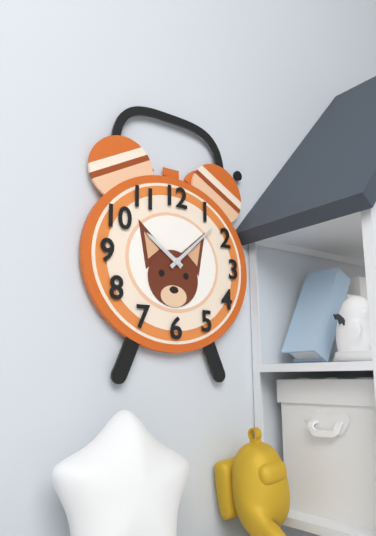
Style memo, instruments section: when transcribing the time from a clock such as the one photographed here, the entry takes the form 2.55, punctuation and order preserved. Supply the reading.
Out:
10.08
